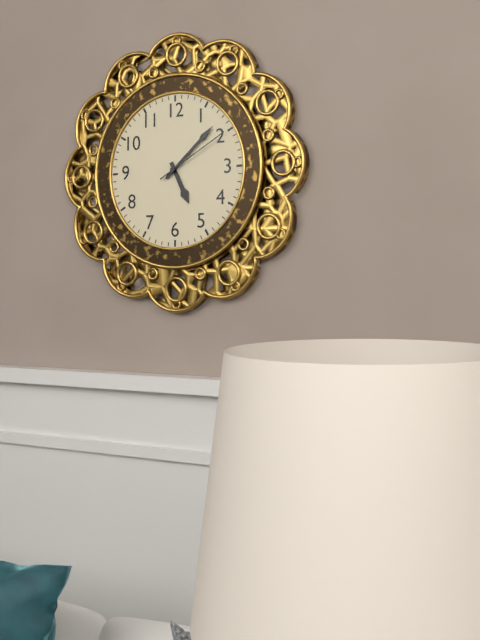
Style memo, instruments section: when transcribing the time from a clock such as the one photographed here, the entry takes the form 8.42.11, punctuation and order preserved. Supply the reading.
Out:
5.08.10
